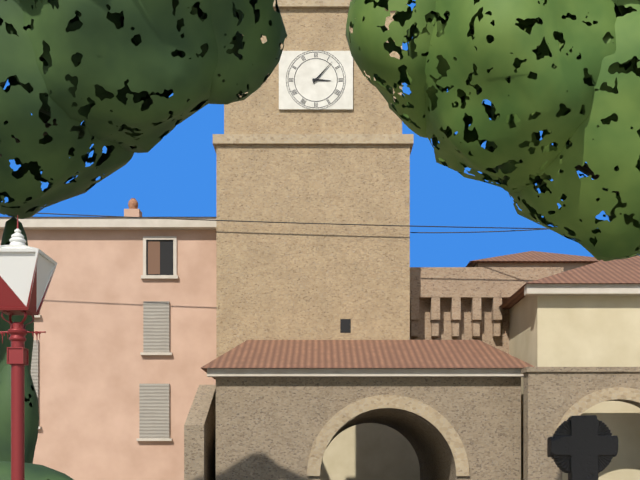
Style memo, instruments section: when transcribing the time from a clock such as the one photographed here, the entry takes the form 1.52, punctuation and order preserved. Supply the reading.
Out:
3.07
